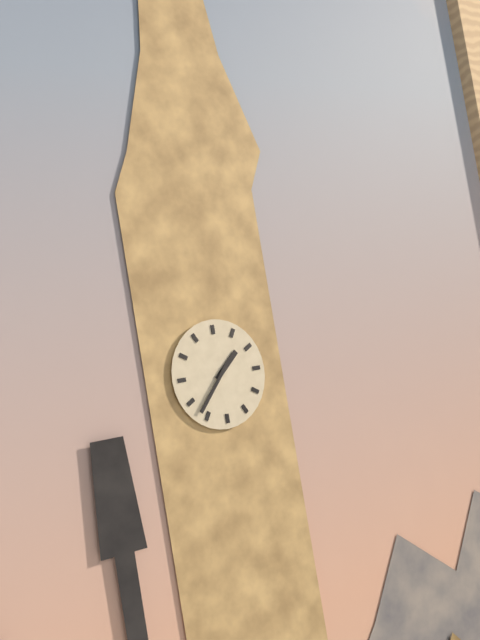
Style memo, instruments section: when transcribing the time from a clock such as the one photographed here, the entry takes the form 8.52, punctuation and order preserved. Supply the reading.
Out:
1.37
